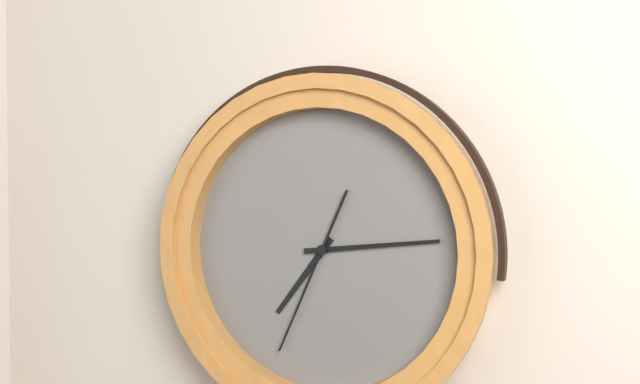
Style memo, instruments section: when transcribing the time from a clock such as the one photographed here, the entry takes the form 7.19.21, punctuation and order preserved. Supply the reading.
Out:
7.14.34
